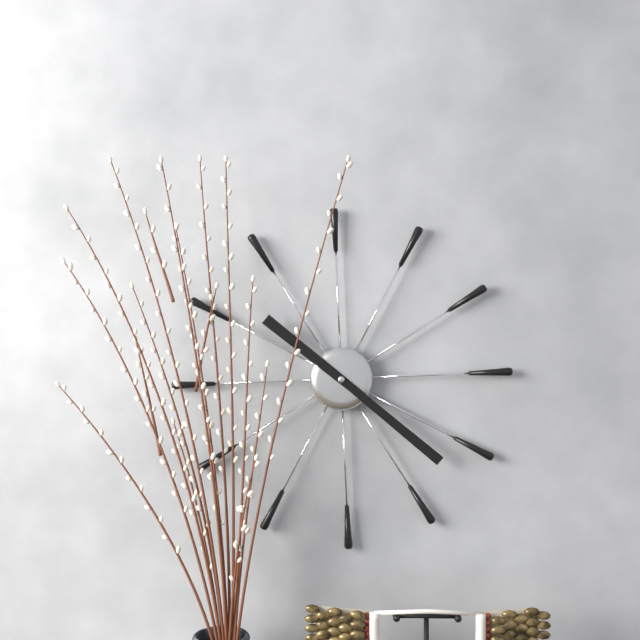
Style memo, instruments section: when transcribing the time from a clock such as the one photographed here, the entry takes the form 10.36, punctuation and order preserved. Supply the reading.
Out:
10.22
